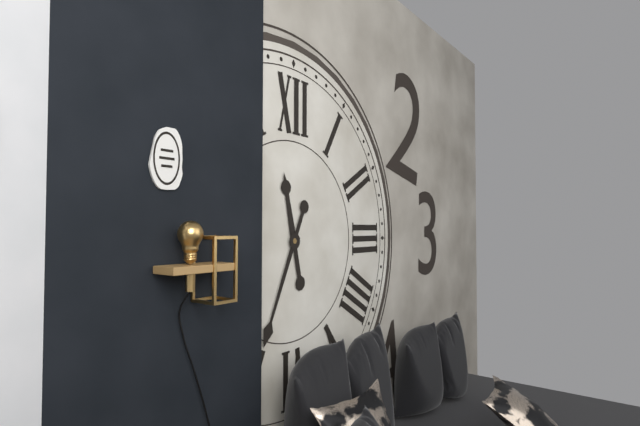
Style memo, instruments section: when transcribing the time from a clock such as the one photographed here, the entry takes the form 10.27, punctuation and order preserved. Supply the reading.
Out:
11.34
